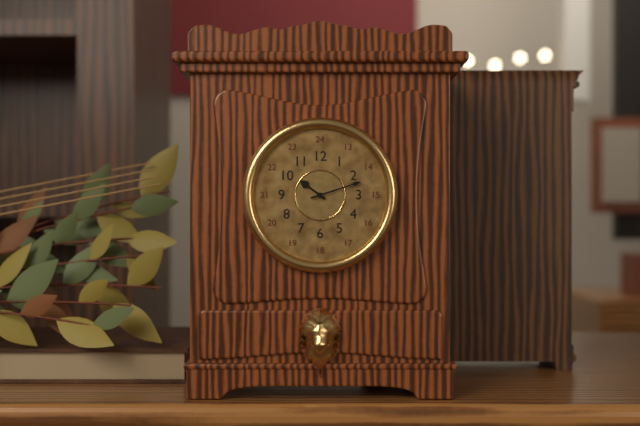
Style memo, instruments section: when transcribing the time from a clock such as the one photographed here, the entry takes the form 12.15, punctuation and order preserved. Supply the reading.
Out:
10.12
